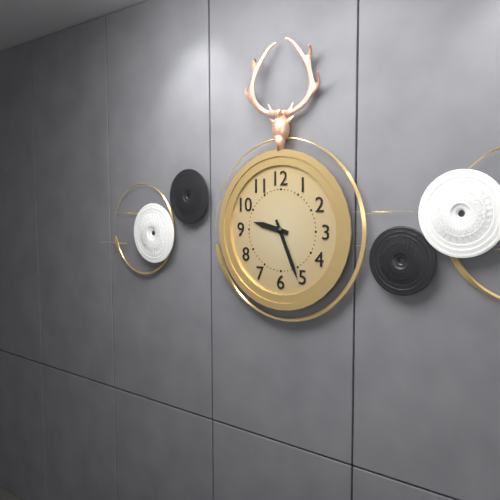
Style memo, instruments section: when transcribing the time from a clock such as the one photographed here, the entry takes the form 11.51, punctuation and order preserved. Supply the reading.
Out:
9.26
